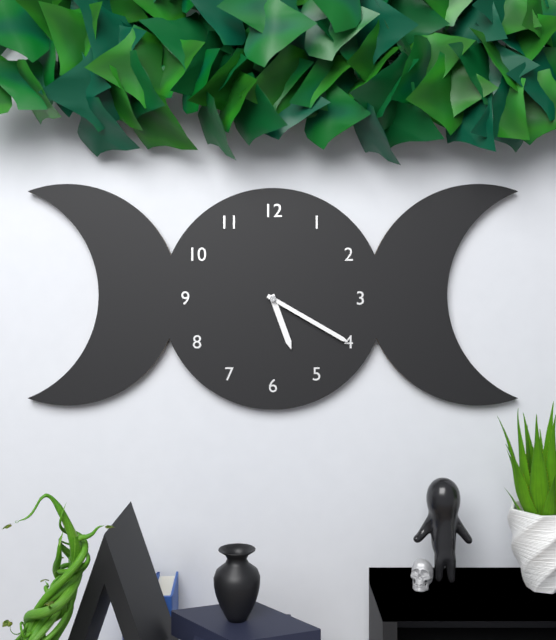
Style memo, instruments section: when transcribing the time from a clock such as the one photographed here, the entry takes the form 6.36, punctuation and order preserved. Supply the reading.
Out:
5.20
